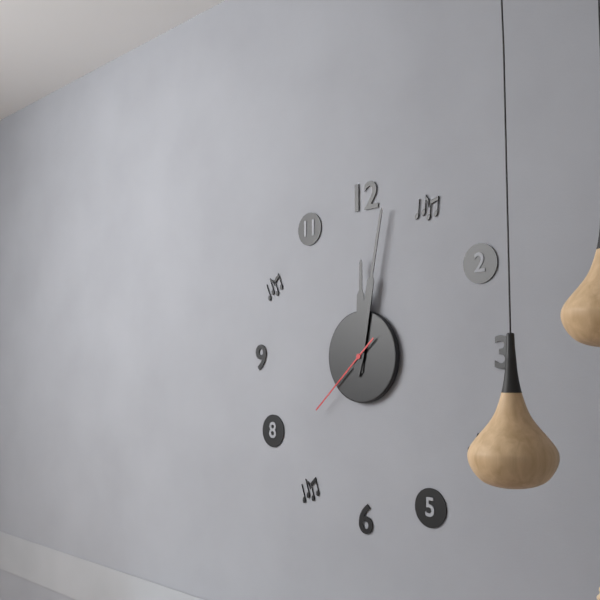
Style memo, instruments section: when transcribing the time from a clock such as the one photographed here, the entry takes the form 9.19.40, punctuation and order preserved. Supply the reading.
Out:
12.02.38
